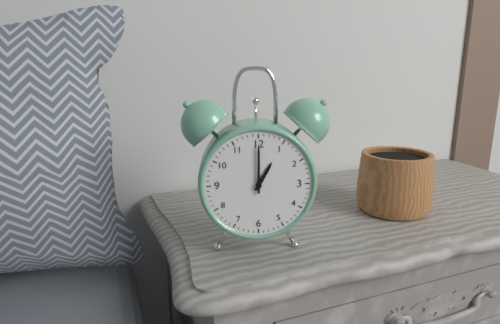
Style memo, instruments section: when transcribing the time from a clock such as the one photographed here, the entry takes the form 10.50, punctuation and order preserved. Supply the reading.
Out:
1.00
